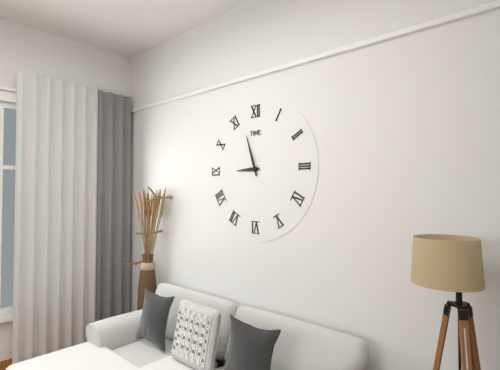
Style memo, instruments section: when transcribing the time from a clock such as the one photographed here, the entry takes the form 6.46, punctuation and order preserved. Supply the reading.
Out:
8.57
